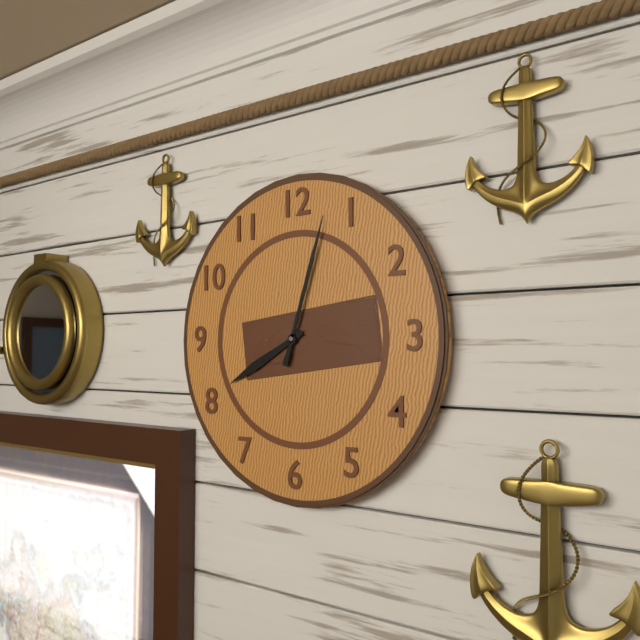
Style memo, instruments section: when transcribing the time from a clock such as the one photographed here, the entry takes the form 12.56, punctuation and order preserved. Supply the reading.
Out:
8.03
